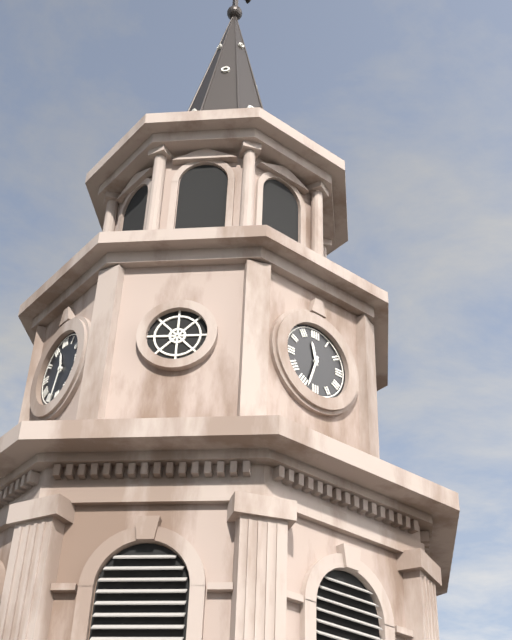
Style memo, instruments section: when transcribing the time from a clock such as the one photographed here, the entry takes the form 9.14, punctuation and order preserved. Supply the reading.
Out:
11.33
